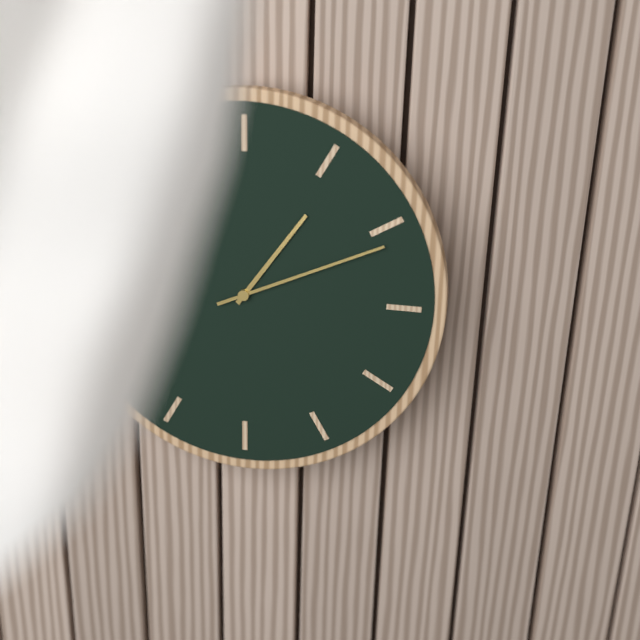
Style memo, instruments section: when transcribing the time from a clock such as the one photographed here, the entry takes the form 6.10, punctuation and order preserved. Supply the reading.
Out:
1.11
